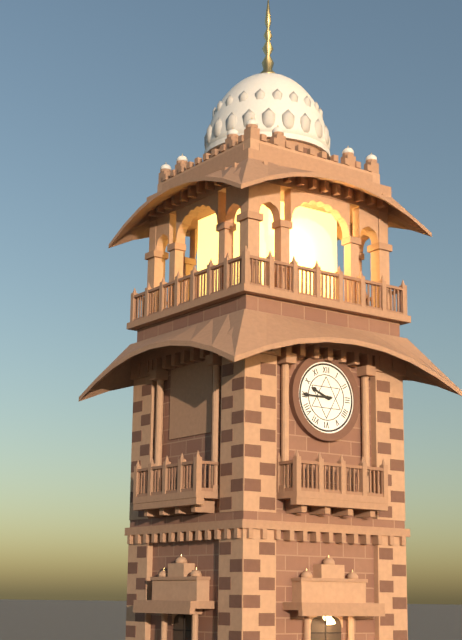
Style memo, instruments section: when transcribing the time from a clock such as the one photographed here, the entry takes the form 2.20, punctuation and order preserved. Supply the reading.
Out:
9.45
